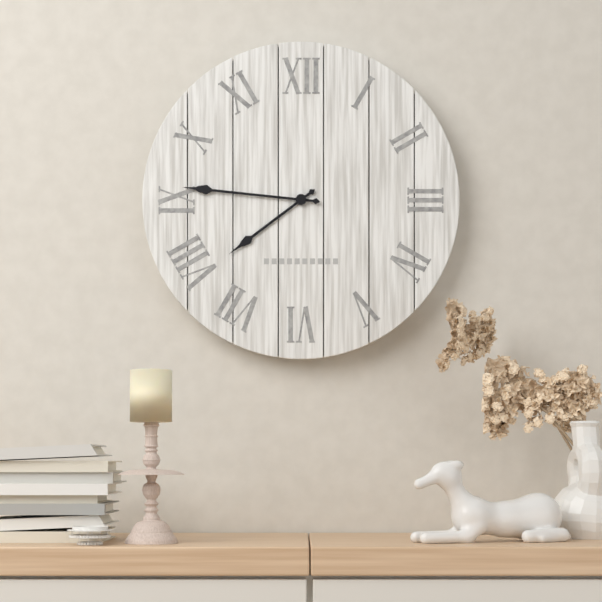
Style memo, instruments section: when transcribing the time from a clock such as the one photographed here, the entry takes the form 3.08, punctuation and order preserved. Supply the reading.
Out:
7.46
